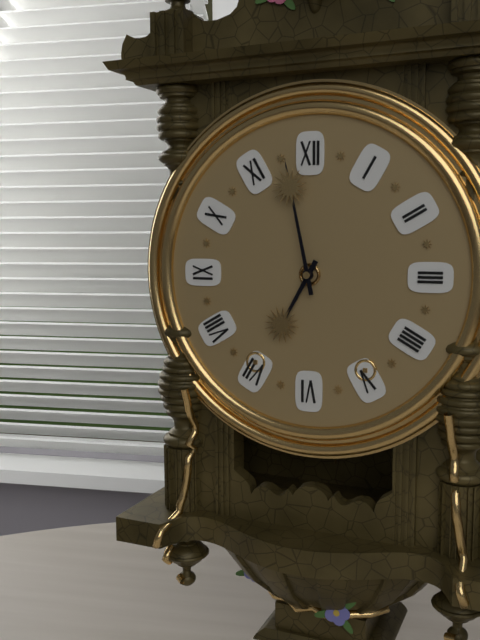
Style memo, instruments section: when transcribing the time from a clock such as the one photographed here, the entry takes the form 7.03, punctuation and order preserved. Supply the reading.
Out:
6.58
